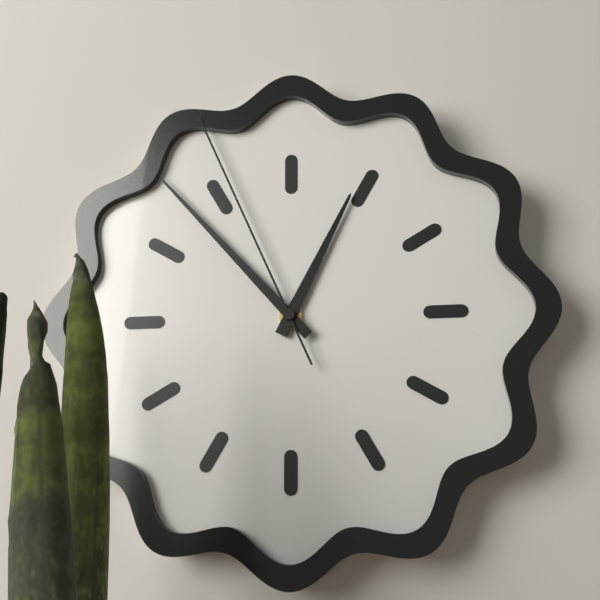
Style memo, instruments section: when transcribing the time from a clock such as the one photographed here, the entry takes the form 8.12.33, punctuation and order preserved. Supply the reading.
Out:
12.53.56
